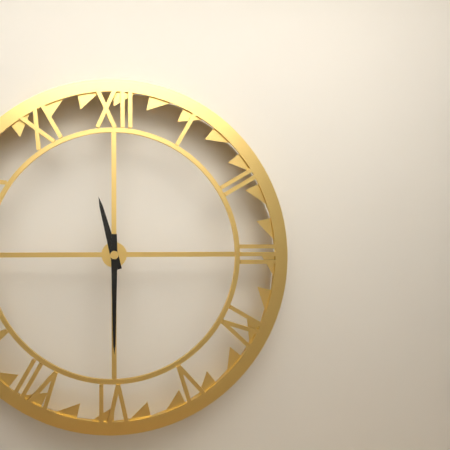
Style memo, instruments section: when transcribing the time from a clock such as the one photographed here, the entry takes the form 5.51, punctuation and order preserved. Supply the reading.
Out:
11.30
